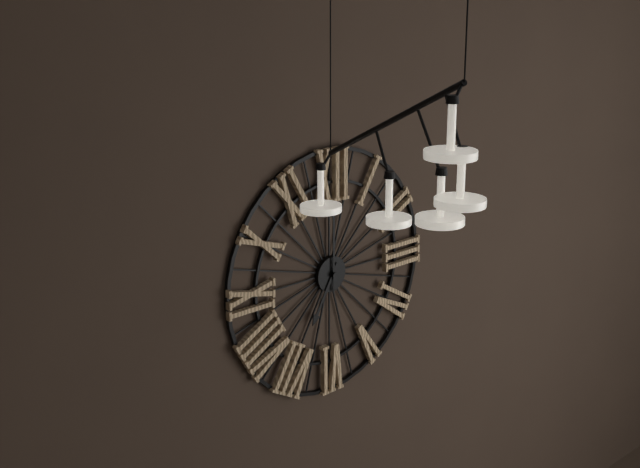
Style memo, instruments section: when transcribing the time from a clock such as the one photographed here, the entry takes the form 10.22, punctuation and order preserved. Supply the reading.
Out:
7.00
